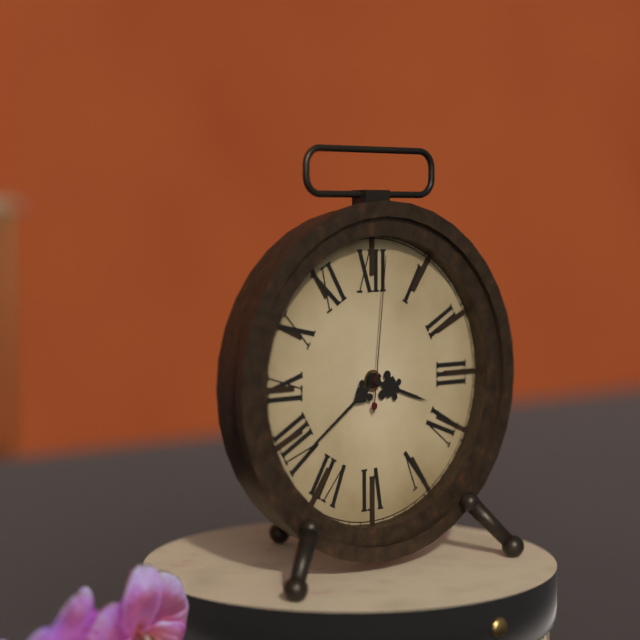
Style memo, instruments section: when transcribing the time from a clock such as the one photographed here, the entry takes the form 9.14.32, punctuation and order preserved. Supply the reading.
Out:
3.39.01
